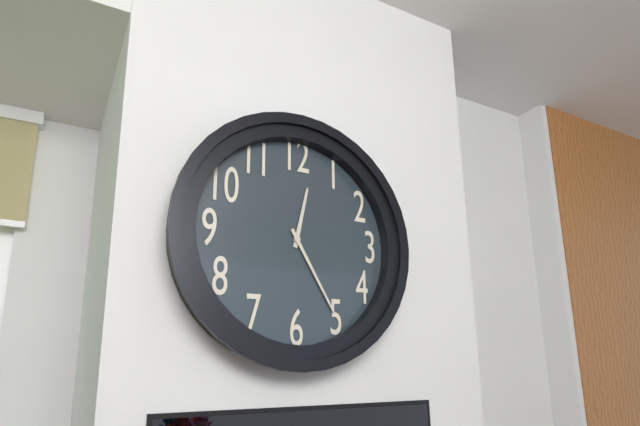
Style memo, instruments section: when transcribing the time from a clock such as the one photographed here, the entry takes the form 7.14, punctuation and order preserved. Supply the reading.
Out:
12.25
